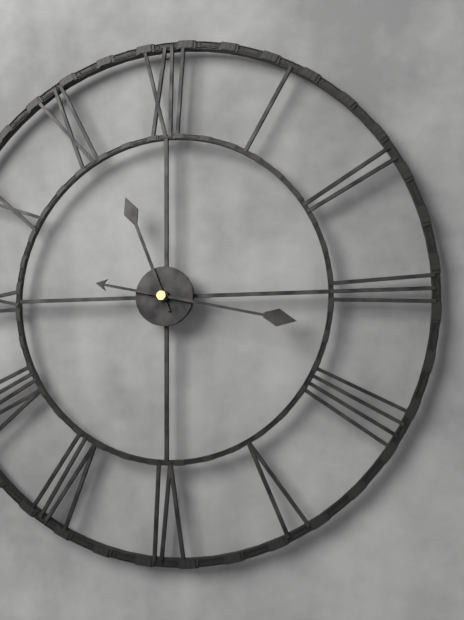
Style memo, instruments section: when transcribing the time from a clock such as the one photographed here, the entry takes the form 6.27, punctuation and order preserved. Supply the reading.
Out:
11.17
